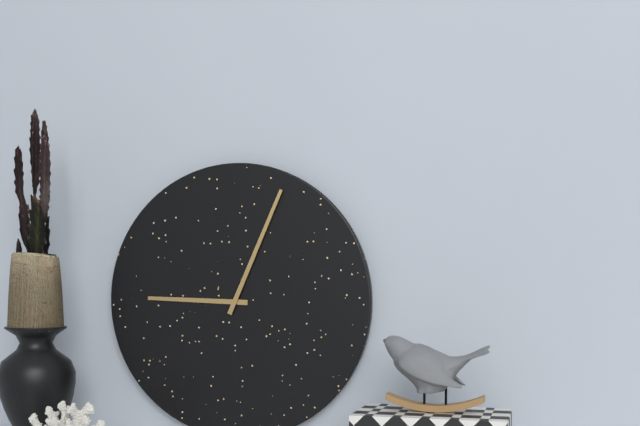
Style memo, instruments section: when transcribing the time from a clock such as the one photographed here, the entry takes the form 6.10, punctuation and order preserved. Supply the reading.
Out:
9.04
